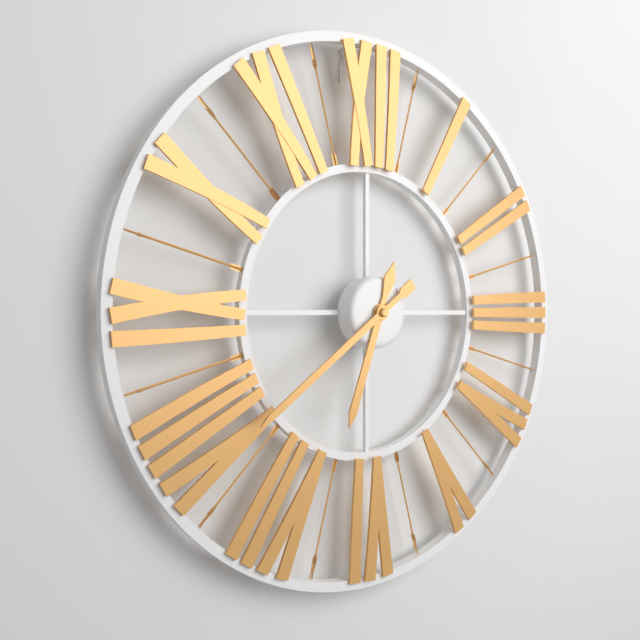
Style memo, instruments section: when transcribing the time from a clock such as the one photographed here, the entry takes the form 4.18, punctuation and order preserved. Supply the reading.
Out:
6.39
